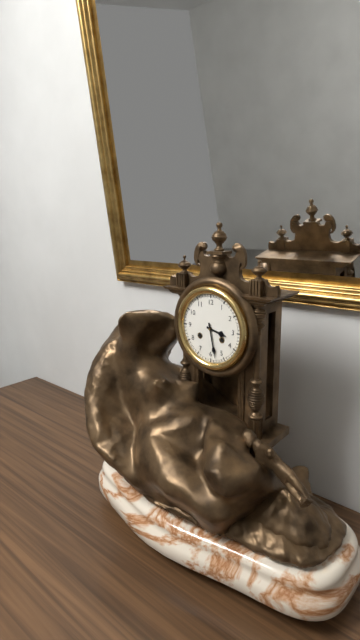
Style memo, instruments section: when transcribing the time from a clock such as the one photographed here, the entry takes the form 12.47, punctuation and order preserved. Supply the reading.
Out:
3.28
